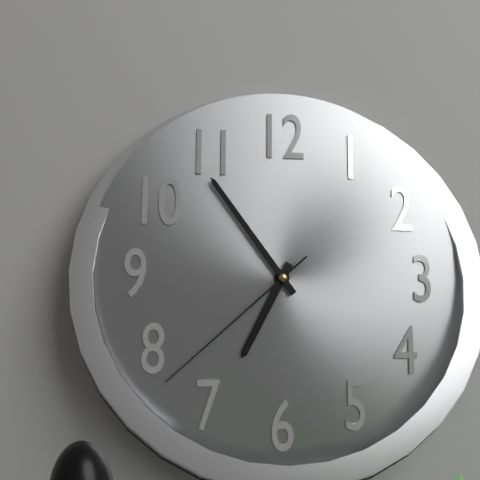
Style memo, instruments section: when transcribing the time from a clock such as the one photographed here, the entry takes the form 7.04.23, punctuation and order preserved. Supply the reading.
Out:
6.54.38
